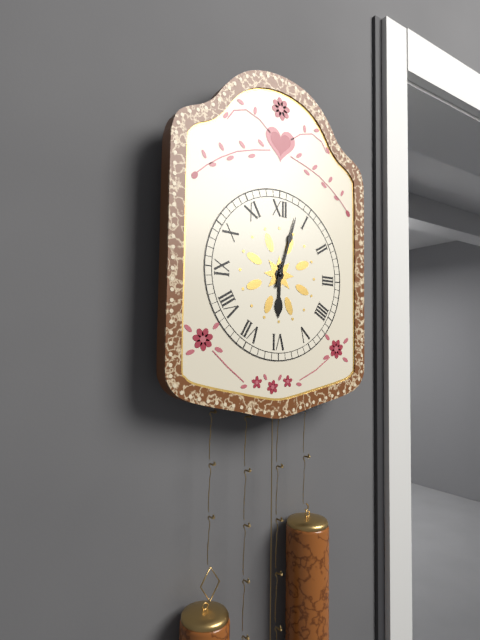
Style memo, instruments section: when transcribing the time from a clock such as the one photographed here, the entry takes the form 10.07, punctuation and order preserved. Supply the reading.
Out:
6.03
